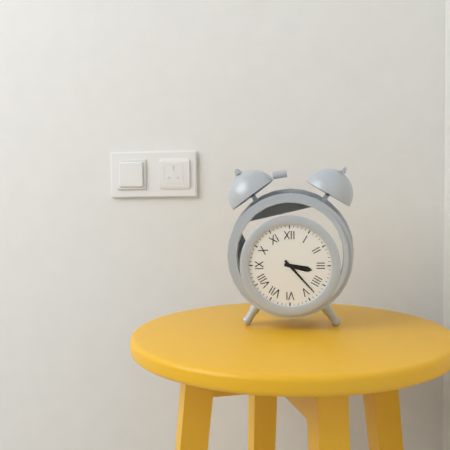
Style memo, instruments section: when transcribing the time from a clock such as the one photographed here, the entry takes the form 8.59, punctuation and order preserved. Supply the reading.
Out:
3.23
